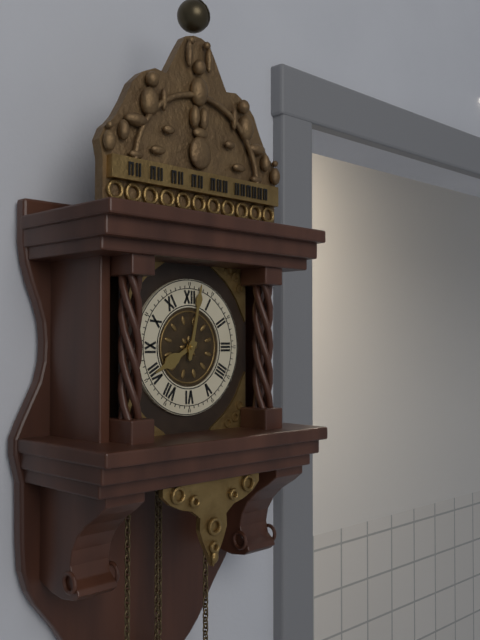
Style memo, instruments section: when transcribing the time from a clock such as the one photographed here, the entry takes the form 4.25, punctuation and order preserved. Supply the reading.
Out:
8.02
